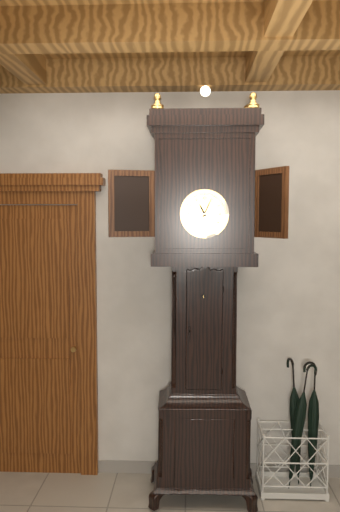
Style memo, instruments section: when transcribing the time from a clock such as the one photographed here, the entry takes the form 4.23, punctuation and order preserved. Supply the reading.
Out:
11.04
